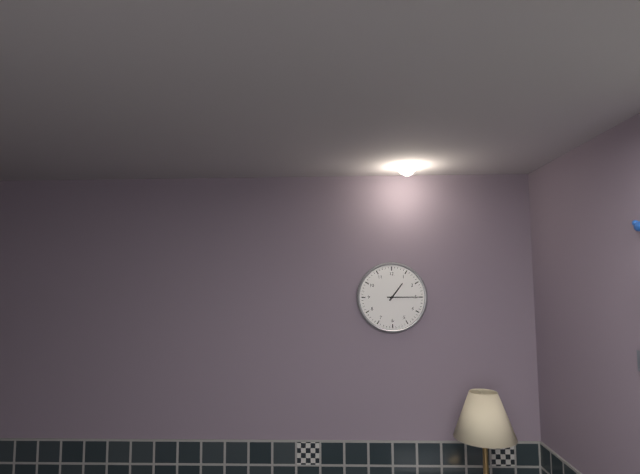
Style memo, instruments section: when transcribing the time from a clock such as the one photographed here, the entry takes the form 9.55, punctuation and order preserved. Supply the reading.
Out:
1.15
